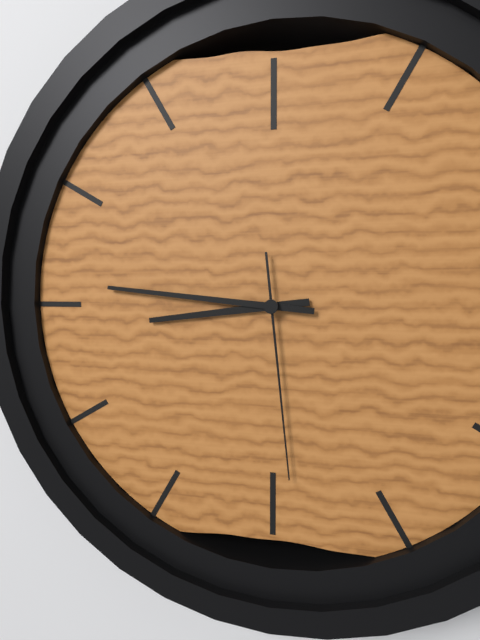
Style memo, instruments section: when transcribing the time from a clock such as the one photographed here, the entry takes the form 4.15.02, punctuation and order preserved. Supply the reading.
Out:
8.46.29
